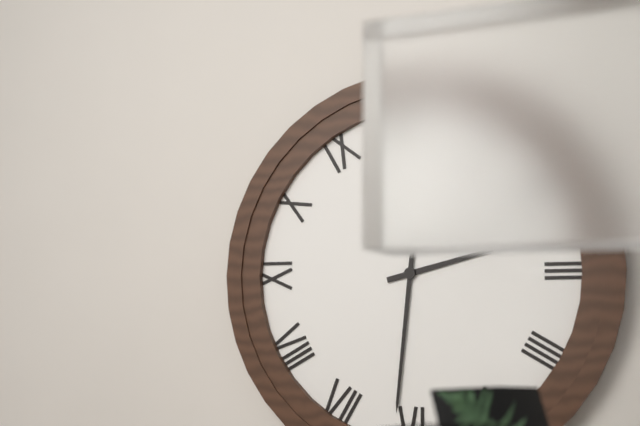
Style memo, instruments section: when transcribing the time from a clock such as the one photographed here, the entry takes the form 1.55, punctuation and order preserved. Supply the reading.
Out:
2.31
